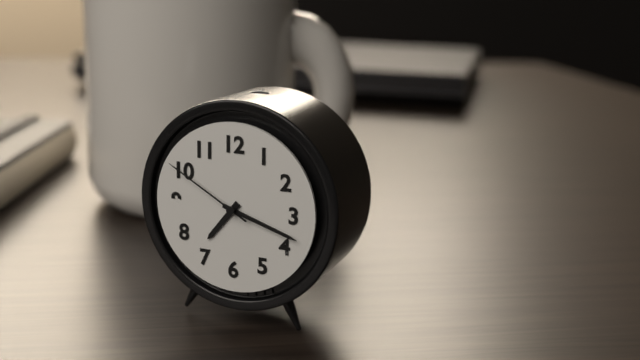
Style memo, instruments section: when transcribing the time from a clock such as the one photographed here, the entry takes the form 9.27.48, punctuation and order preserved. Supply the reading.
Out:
7.18.50
